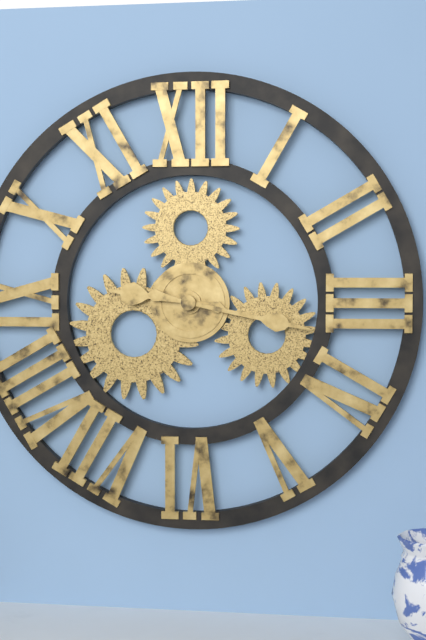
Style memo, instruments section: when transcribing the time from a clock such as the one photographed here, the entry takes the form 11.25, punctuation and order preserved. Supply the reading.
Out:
9.17
